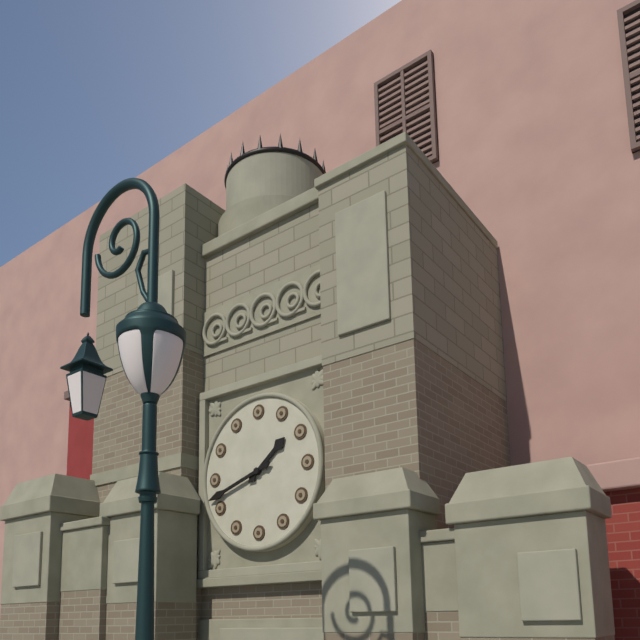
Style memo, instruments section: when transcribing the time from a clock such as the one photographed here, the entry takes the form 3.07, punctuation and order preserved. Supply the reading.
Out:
1.42
